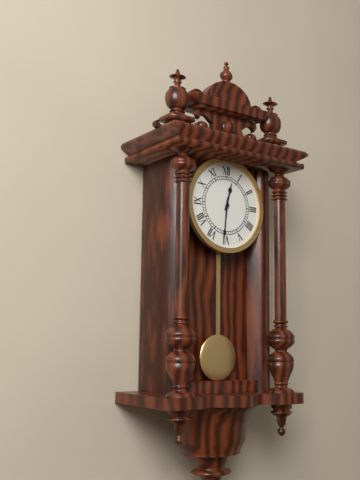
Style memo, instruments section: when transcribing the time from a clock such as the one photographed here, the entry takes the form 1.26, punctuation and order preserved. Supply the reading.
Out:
12.31
